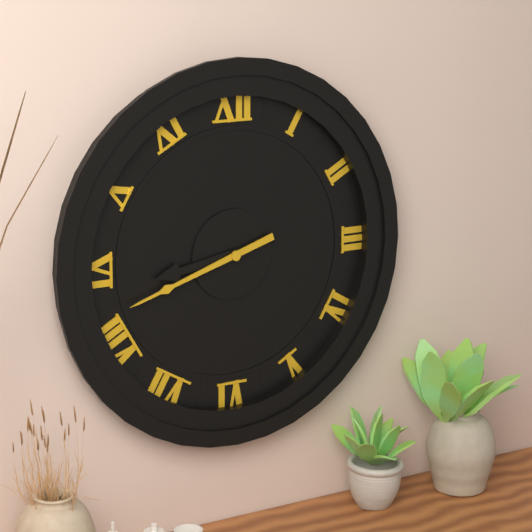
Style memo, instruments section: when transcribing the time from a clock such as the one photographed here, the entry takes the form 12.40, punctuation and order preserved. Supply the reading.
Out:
8.42
